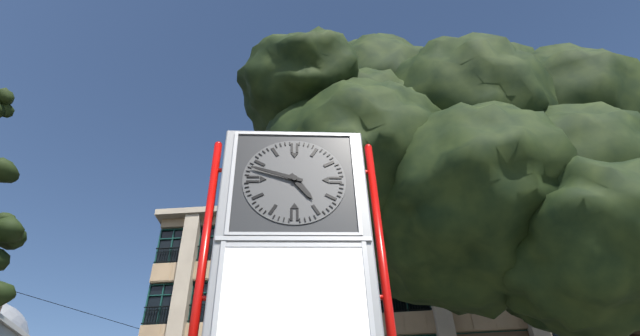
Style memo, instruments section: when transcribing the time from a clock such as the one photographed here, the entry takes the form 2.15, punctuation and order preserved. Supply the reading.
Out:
4.48
